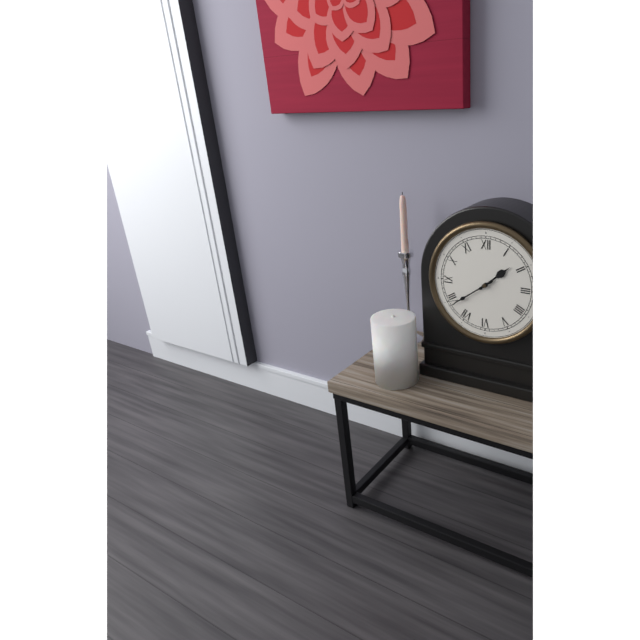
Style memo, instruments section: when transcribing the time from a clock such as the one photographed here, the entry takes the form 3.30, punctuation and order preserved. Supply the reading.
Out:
1.39
